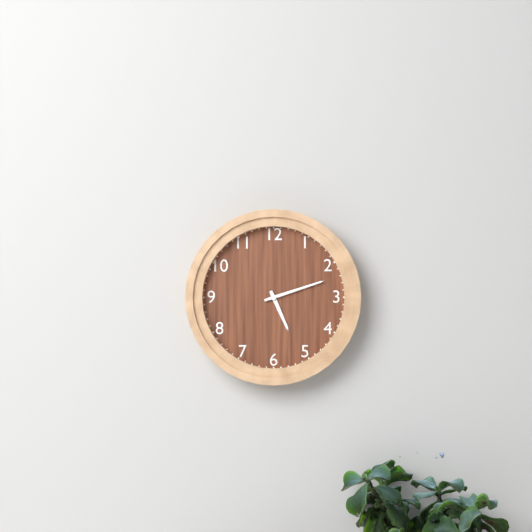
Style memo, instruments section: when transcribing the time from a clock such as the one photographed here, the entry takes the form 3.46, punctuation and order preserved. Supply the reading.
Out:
5.12
